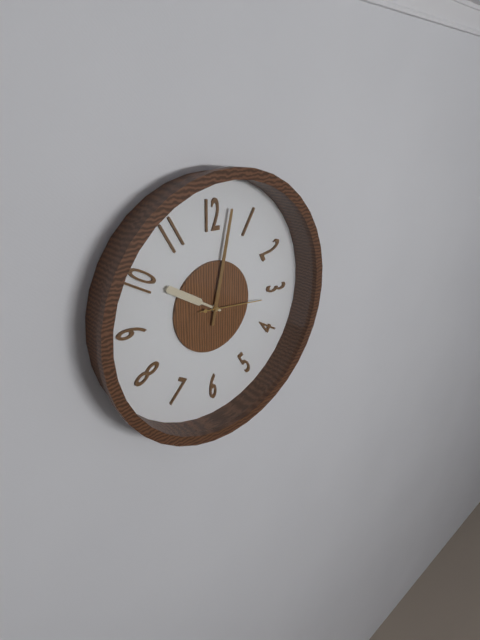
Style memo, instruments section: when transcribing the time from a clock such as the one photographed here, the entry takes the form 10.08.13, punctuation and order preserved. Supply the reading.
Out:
10.02.16
